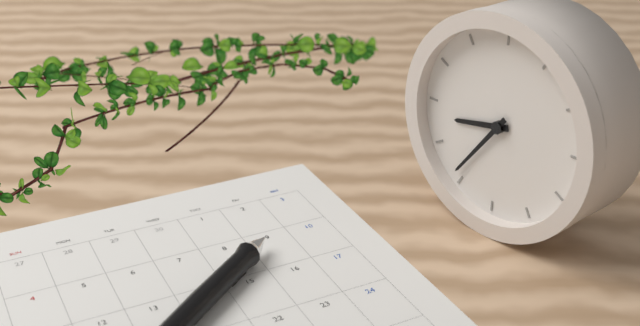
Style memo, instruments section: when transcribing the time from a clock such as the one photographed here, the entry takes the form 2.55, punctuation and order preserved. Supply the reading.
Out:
8.36
